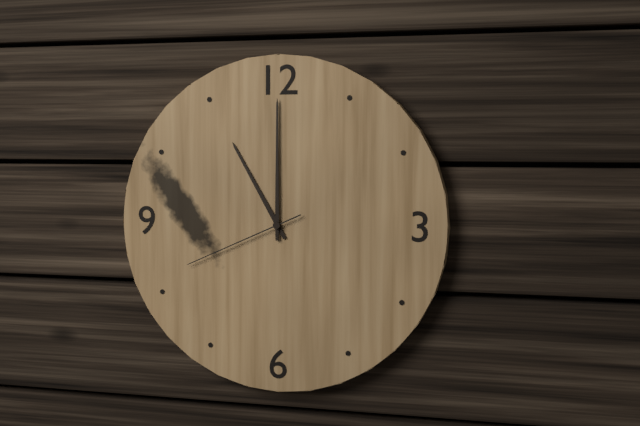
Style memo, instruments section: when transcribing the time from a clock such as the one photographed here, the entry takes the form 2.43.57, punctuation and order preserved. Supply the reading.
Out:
11.00.41
